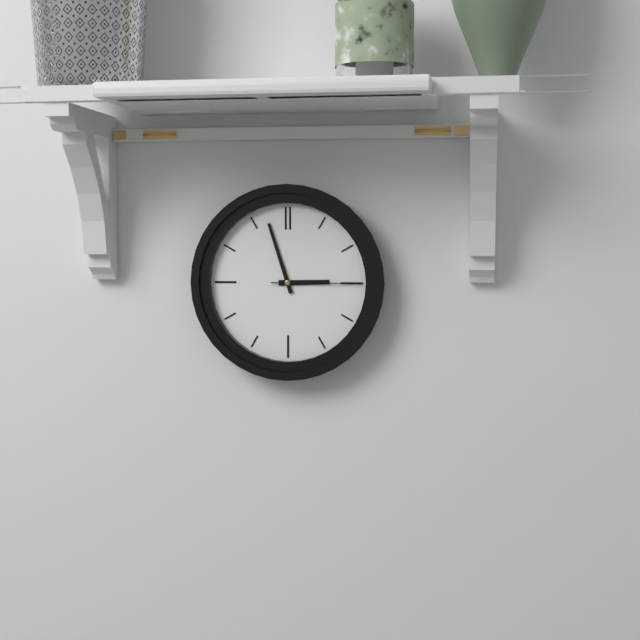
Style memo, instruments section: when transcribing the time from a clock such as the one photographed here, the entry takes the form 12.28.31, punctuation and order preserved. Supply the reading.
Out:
2.57.15
